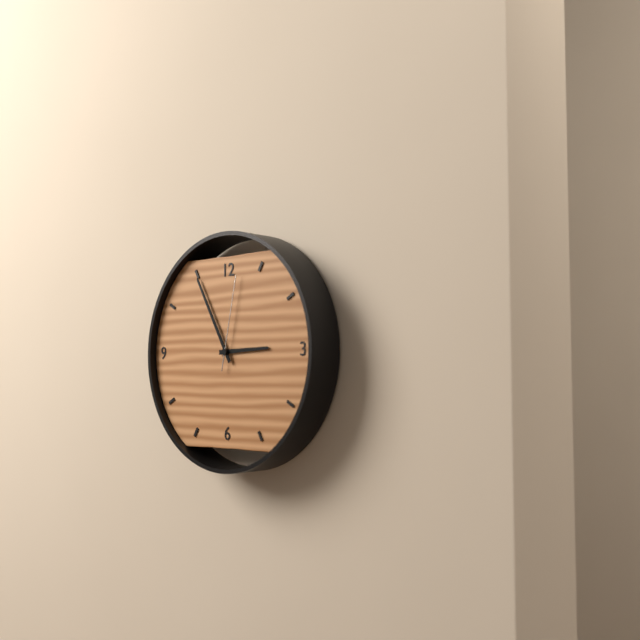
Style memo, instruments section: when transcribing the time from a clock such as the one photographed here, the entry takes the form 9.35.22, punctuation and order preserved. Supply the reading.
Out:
2.55.02
